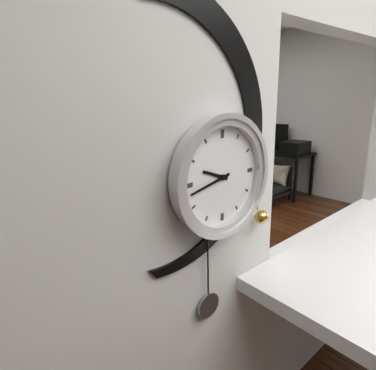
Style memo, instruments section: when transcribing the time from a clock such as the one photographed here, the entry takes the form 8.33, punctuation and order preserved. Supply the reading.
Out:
9.43
